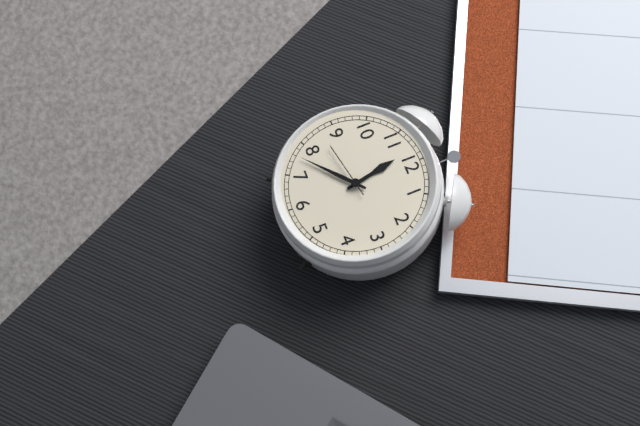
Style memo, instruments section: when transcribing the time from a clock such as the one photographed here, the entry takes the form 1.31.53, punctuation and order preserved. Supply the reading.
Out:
11.38.43
